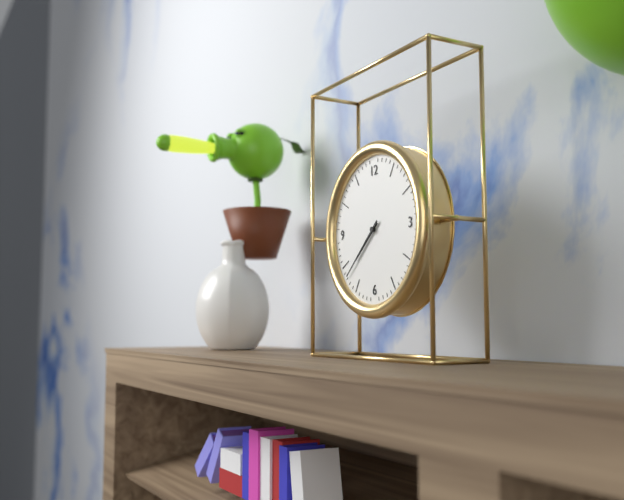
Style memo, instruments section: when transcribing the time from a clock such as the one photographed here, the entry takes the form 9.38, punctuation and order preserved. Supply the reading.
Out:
7.38
